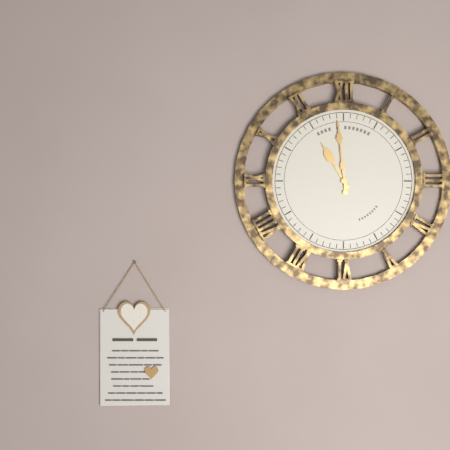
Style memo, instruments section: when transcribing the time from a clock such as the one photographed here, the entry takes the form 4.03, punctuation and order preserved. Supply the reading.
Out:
10.59
